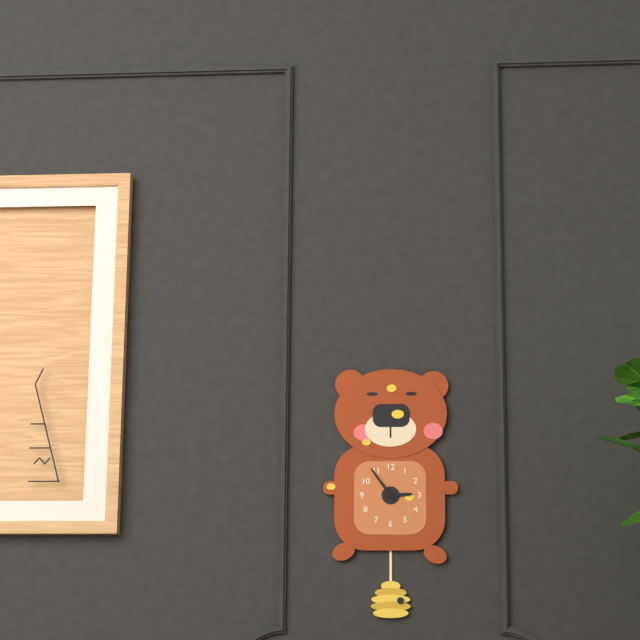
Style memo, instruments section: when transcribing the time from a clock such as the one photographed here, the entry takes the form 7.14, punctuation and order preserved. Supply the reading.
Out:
2.54
